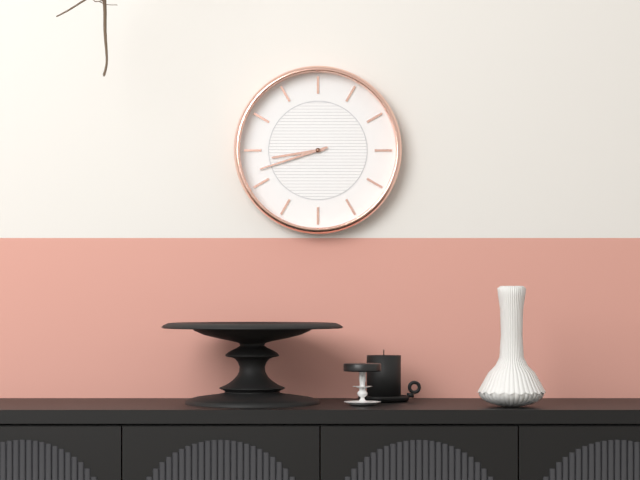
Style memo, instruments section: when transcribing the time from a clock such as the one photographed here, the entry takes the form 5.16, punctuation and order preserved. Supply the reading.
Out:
8.42
